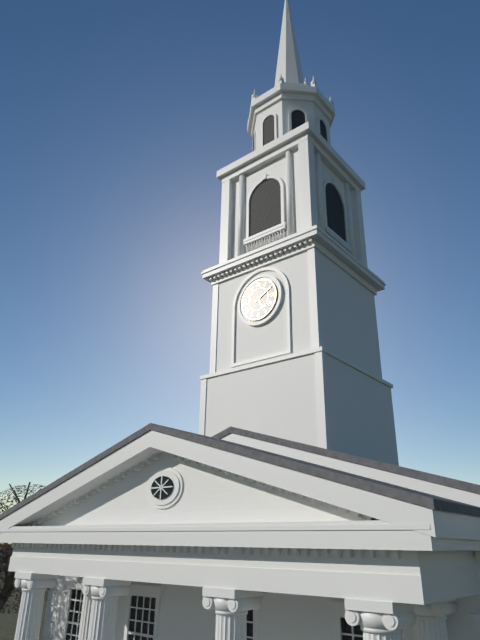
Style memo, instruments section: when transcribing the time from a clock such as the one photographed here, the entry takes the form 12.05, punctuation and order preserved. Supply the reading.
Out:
5.10
